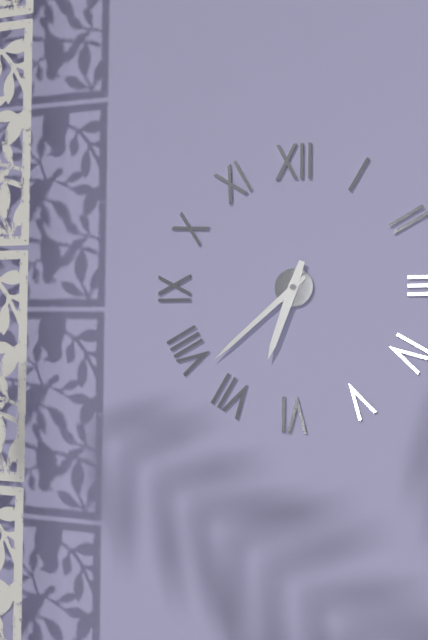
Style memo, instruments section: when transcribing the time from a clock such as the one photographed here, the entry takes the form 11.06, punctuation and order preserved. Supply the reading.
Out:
6.38
